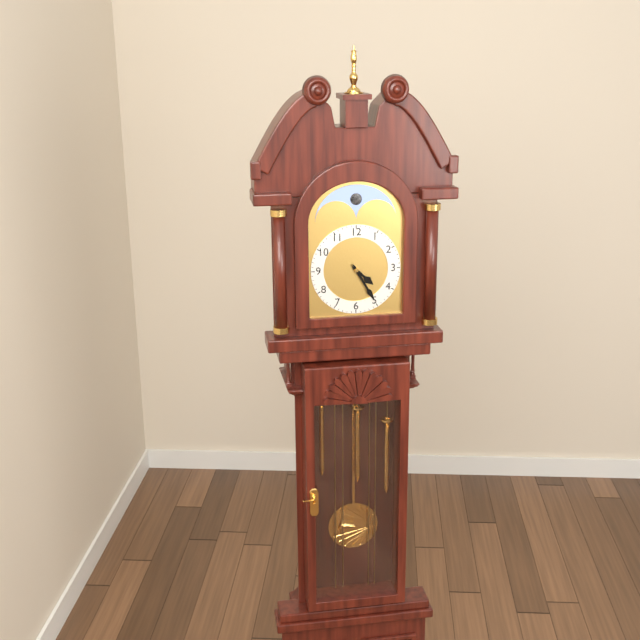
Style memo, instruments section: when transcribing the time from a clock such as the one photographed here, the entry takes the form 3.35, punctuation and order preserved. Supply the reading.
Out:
4.25
